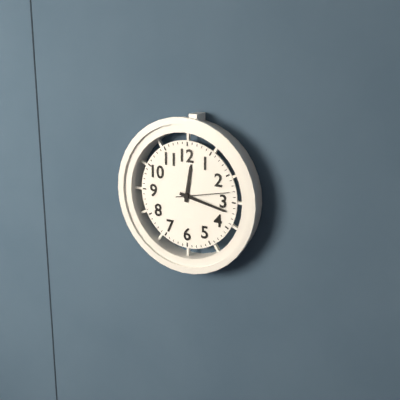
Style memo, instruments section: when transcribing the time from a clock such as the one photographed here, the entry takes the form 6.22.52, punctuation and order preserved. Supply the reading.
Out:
12.17.13
